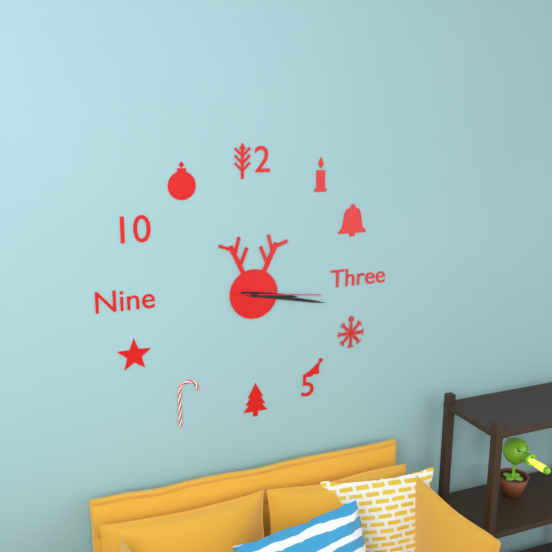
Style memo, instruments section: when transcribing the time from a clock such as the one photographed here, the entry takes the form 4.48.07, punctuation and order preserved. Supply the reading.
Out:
3.17.16
